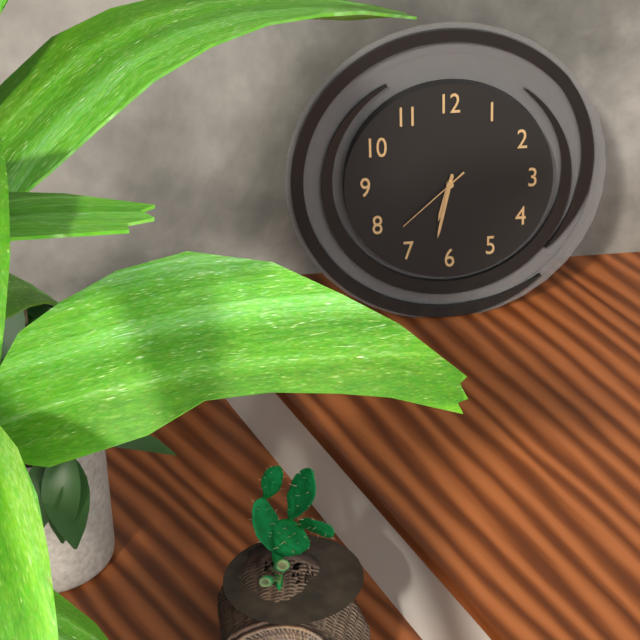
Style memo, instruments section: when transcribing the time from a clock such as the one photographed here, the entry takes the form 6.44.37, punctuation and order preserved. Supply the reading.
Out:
6.32.38
